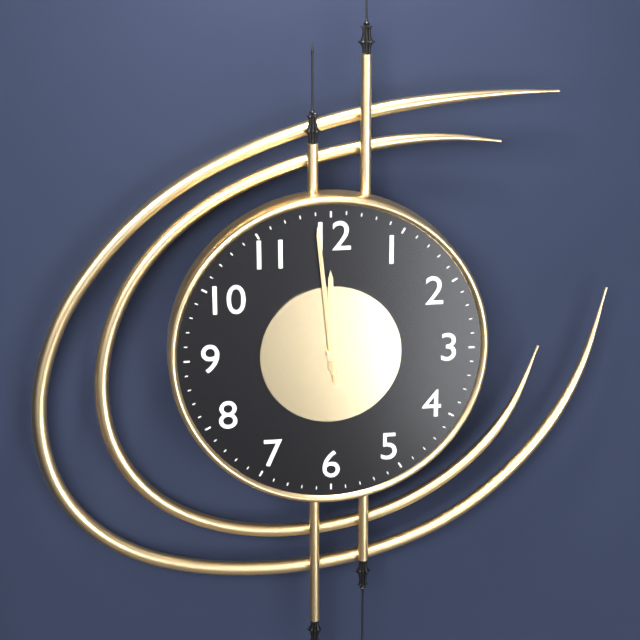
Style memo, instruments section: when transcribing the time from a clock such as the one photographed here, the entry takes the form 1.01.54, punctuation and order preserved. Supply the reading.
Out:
11.59.59
